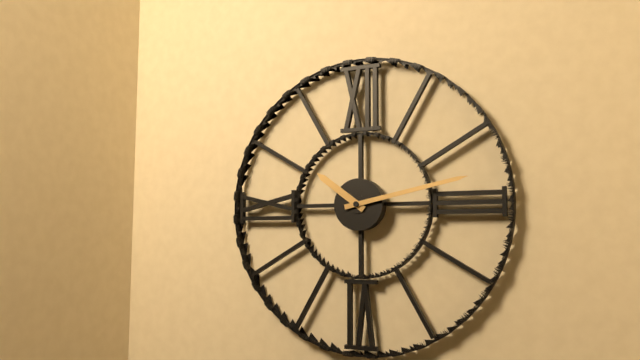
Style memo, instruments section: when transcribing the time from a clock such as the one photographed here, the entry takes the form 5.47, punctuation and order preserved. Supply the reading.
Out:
10.13
